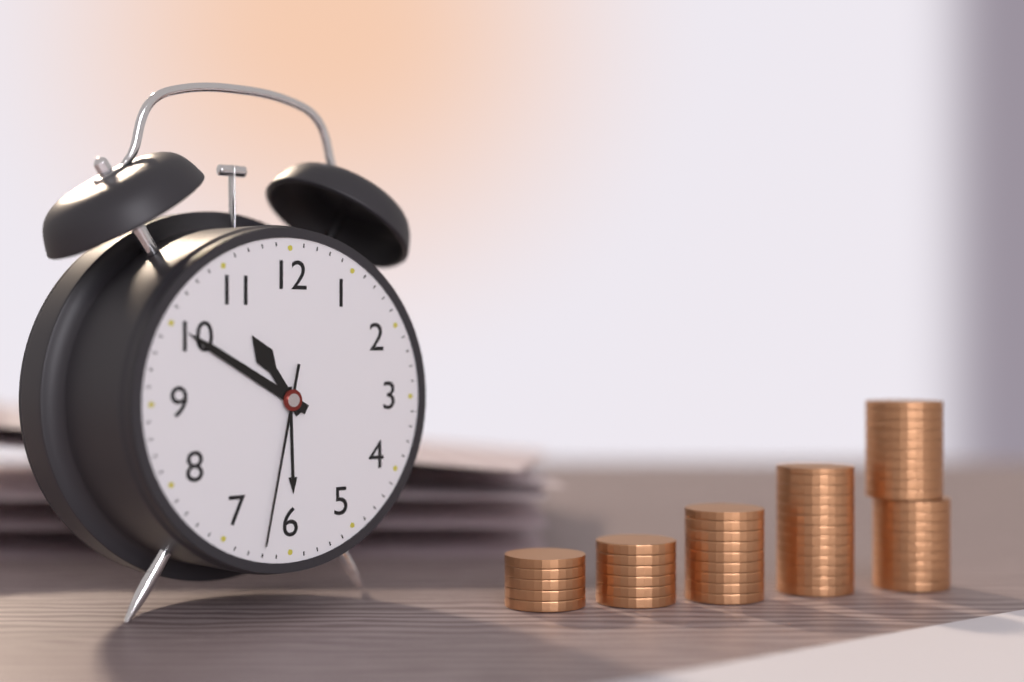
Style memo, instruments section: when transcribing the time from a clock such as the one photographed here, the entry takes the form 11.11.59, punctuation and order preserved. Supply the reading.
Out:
10.50.32
